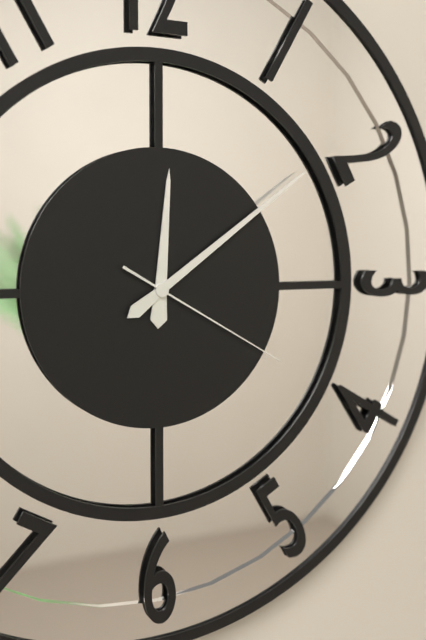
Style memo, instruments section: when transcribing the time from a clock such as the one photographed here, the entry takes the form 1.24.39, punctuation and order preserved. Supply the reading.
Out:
12.09.20
